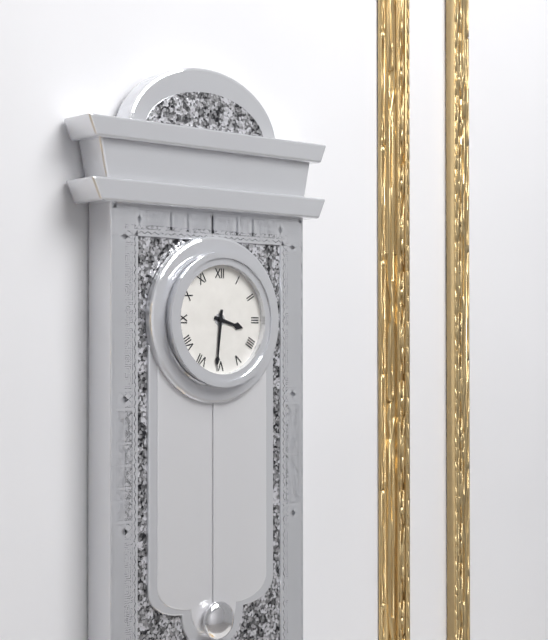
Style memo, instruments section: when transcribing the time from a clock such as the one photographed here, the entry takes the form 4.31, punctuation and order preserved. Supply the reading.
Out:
3.31
